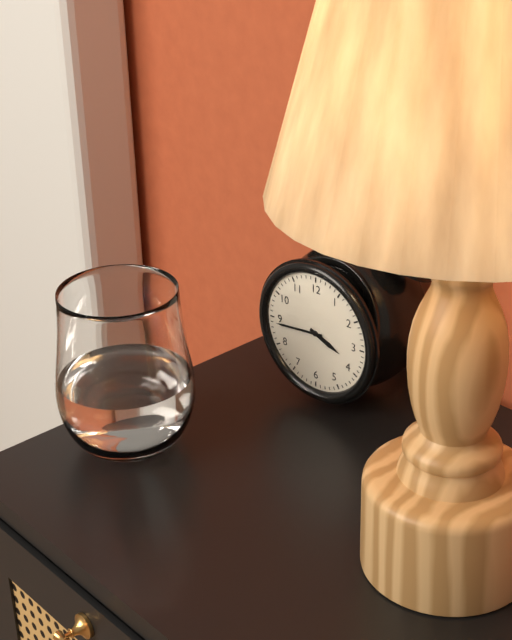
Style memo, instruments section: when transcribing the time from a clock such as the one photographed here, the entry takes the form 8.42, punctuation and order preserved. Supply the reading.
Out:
3.44
